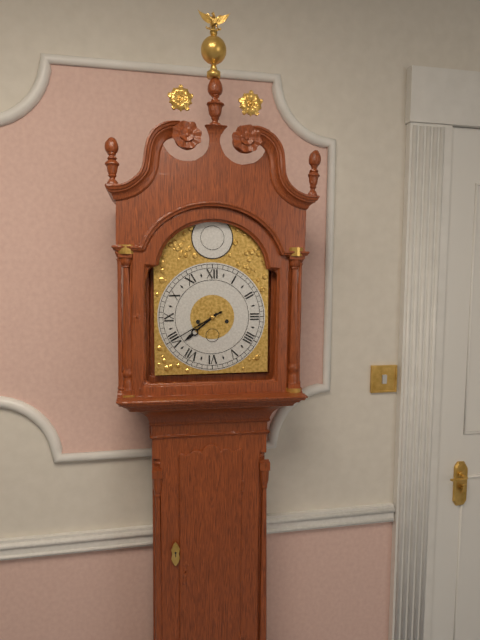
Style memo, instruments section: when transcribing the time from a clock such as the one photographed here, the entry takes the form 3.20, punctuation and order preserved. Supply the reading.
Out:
7.40
